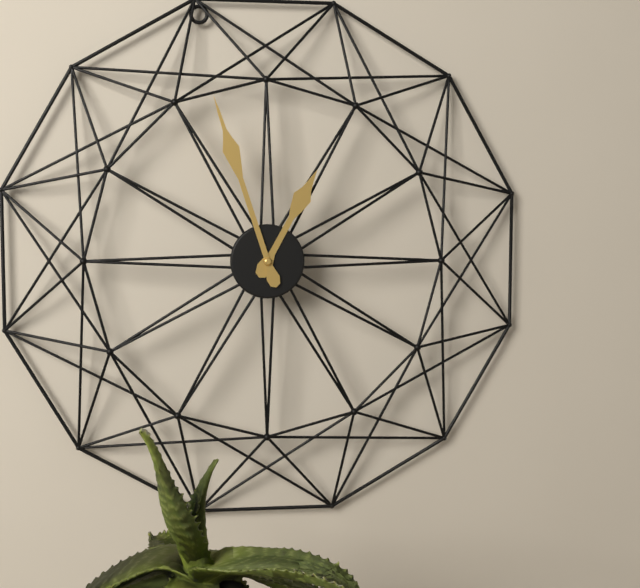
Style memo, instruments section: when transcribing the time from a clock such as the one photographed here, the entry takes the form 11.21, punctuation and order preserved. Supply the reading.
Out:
12.57
